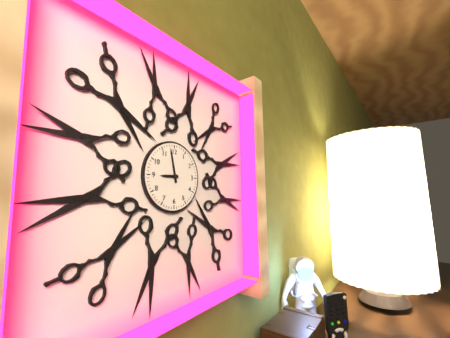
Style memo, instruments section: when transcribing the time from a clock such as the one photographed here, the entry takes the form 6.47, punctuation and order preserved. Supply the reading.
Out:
8.58
